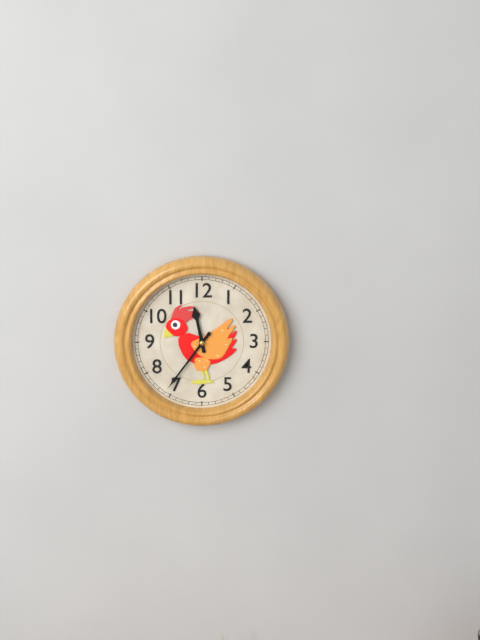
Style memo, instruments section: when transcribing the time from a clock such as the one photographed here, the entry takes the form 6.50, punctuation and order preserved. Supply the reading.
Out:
11.36
